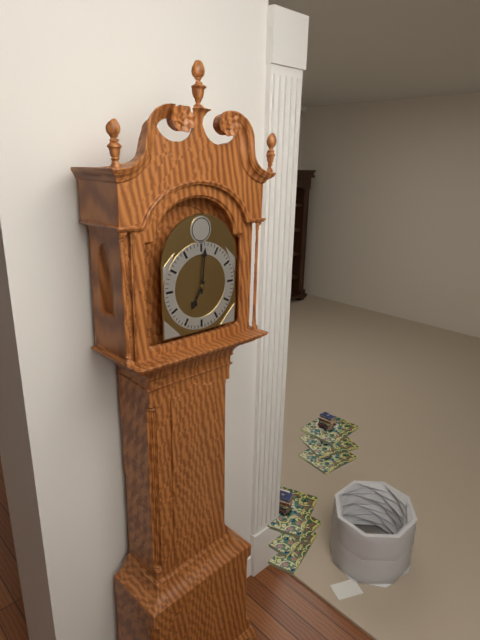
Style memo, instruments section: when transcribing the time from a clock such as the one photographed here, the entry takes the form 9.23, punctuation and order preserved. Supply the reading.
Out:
7.01
